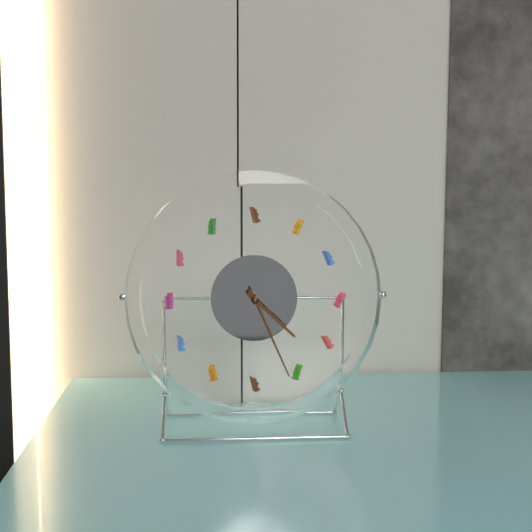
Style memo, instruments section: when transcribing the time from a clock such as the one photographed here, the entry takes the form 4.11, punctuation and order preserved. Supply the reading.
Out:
4.26
